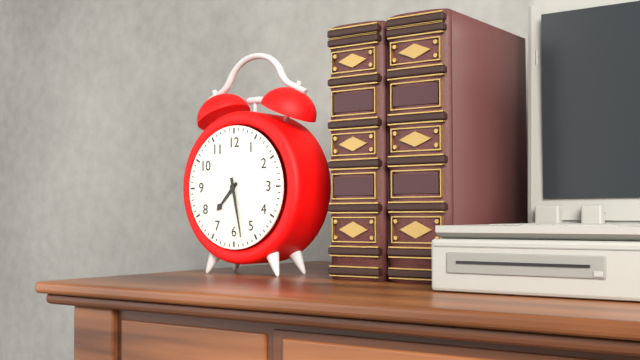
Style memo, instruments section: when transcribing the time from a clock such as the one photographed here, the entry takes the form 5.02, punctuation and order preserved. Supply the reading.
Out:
7.28
